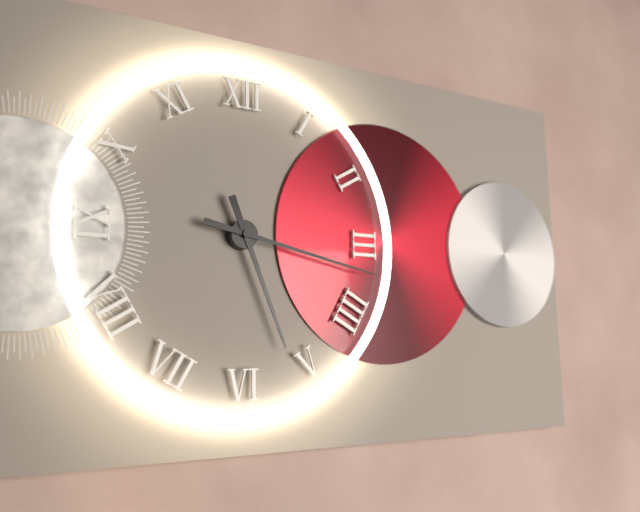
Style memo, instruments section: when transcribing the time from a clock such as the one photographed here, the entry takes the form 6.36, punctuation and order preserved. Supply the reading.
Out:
5.17
